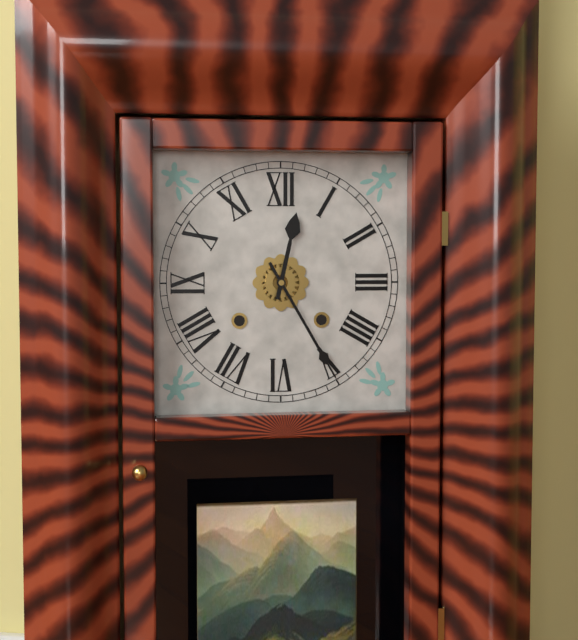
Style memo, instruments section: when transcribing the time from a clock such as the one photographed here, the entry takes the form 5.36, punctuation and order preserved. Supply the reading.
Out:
12.25
